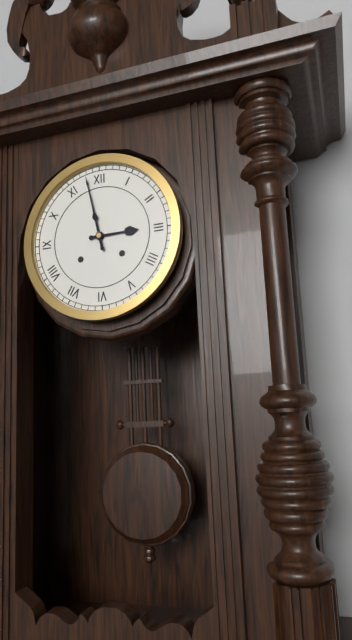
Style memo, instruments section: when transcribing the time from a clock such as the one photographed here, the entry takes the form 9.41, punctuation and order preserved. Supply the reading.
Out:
2.58
